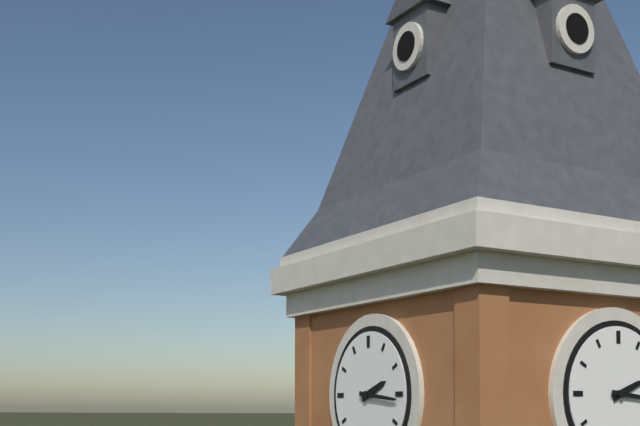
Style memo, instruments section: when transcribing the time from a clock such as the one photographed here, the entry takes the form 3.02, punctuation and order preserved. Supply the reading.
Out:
2.16
